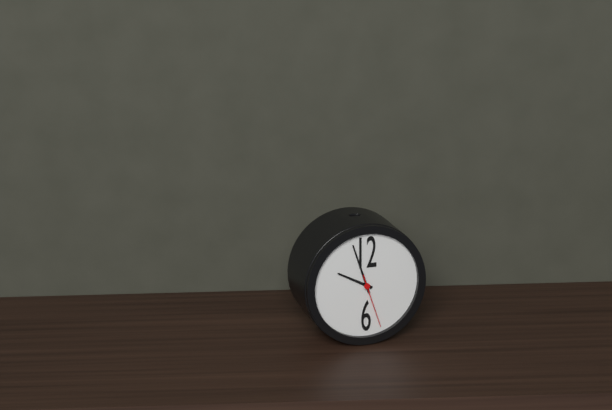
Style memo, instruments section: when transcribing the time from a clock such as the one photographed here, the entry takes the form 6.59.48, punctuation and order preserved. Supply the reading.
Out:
9.57.27
